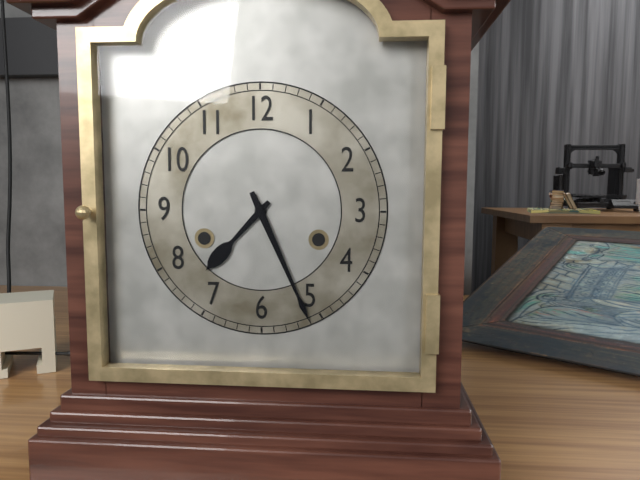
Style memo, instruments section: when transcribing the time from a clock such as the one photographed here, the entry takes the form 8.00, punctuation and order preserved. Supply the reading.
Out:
7.26
